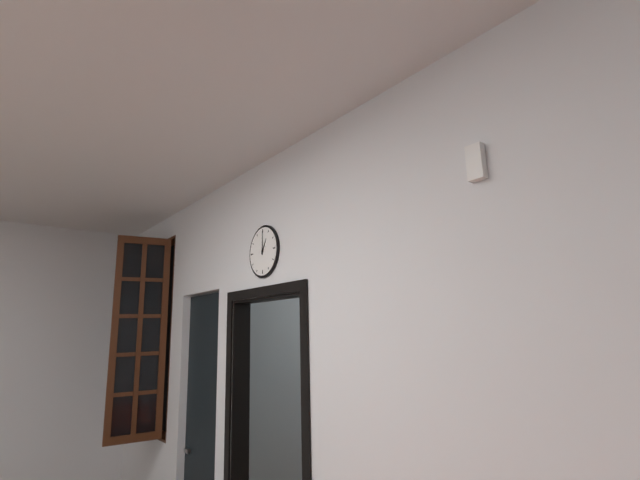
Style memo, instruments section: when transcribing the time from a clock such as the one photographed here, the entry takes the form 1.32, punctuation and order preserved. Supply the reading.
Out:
1.00
